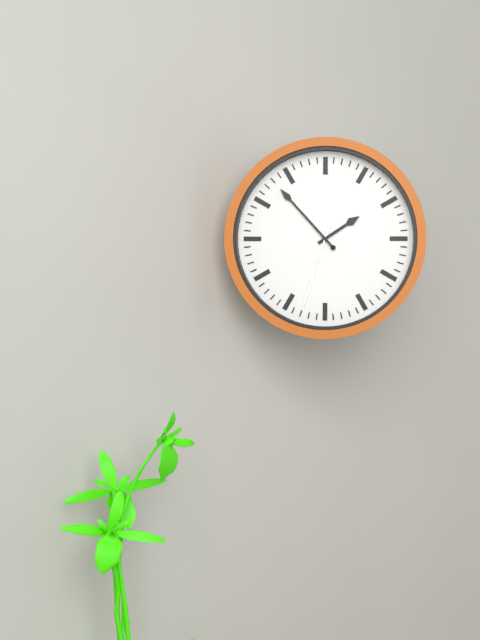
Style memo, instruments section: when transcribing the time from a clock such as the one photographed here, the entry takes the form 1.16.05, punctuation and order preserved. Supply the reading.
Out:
1.53.33
